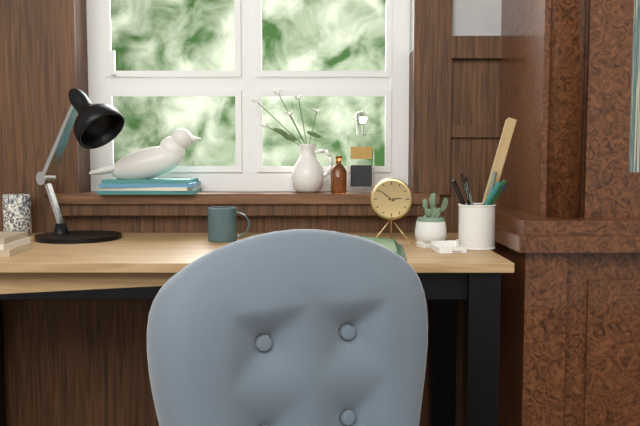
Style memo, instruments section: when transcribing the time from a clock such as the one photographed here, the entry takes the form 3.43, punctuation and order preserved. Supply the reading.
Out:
2.51
